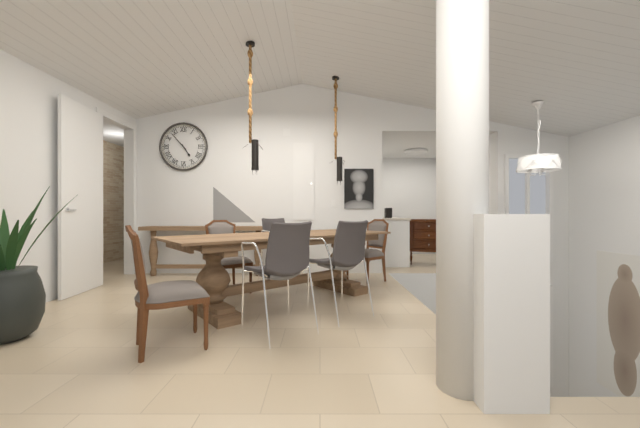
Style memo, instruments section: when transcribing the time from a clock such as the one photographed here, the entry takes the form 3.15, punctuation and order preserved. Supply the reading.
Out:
4.53
